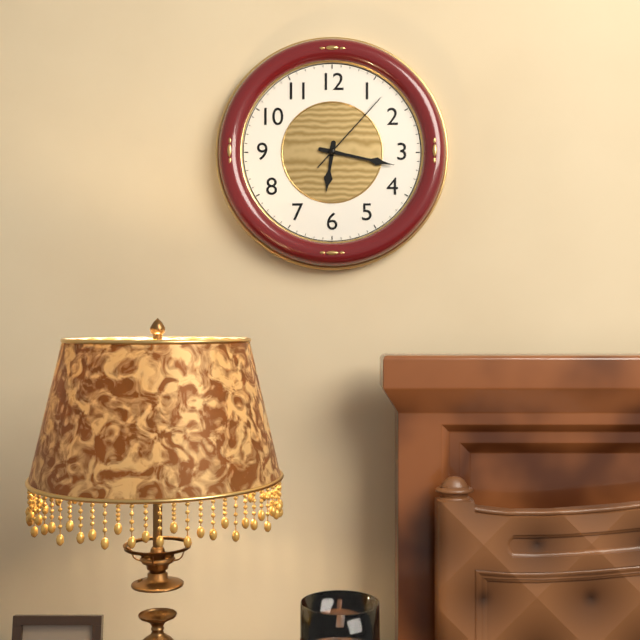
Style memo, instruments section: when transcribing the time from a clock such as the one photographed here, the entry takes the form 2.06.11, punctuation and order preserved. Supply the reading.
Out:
6.17.07
